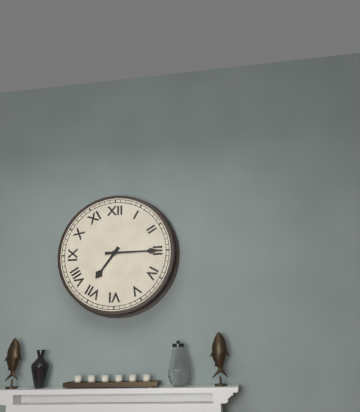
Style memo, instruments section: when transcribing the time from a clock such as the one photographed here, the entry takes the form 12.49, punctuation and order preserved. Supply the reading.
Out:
7.15
